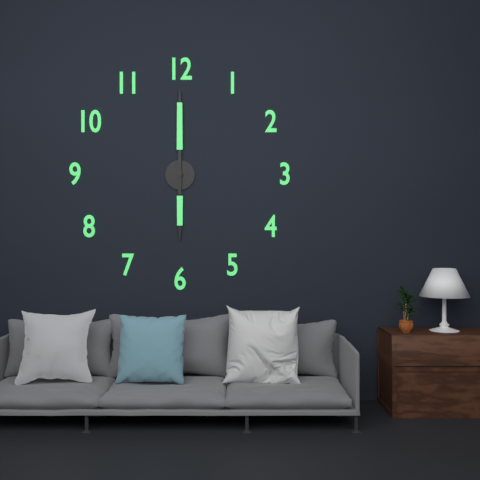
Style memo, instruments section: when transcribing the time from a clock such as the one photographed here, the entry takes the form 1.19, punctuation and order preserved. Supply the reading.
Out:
6.00
